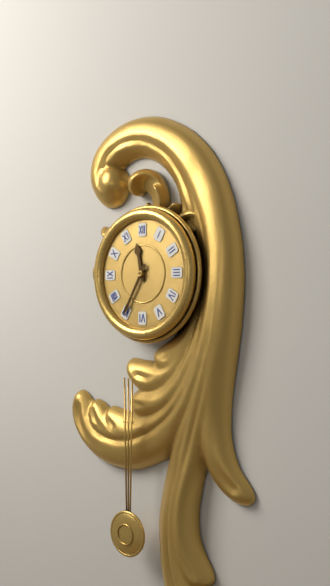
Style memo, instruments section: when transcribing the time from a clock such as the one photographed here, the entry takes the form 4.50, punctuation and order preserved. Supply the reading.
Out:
11.35
